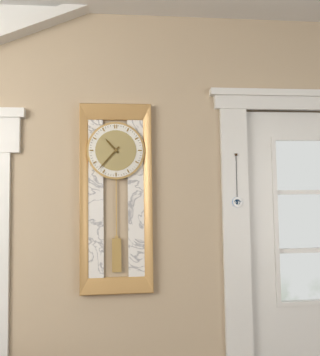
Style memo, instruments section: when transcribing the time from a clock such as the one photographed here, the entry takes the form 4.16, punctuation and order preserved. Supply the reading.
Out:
10.37
